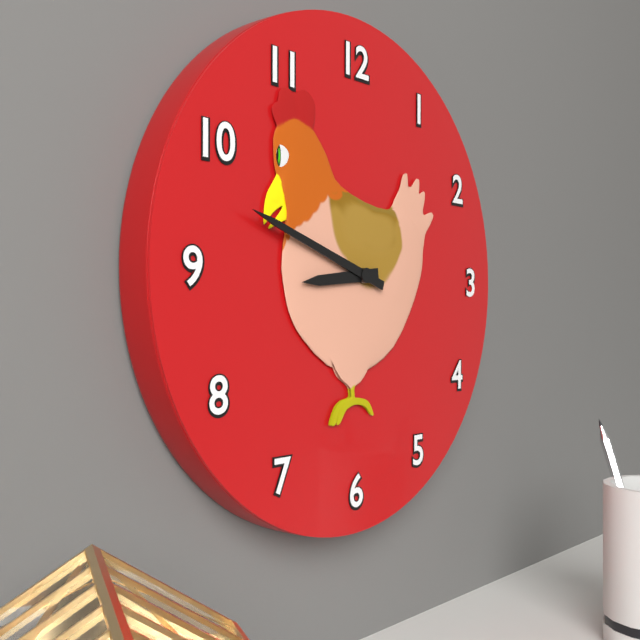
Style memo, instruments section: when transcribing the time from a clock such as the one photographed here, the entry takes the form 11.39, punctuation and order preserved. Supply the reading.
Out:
8.48
